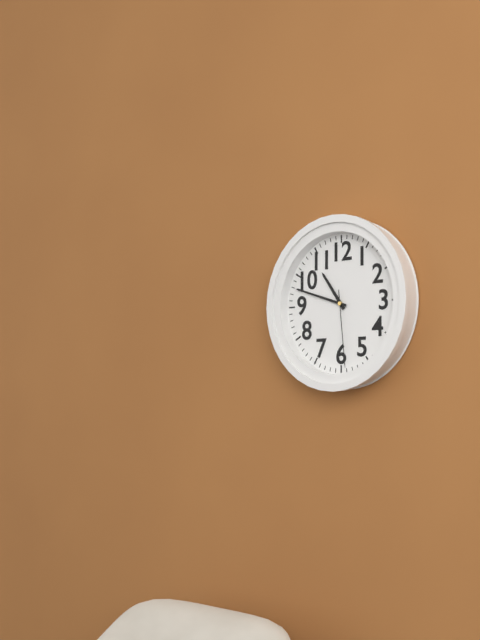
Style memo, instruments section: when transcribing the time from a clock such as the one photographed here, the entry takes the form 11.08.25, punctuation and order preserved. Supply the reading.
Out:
10.48.29
